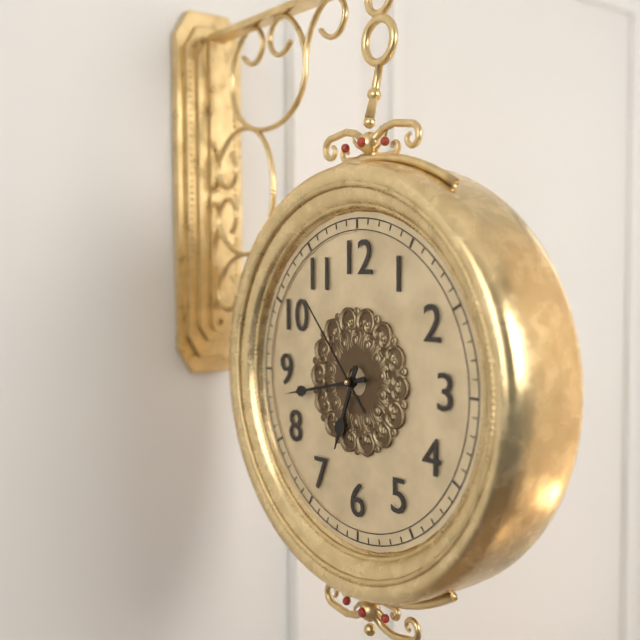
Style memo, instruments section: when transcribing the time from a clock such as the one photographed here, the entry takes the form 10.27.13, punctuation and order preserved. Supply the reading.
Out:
6.43.53
